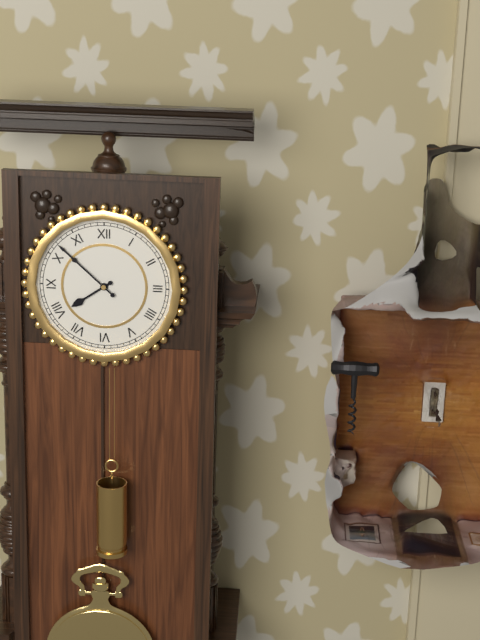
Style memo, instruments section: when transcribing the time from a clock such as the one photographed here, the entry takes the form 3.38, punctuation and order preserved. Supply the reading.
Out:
7.52
